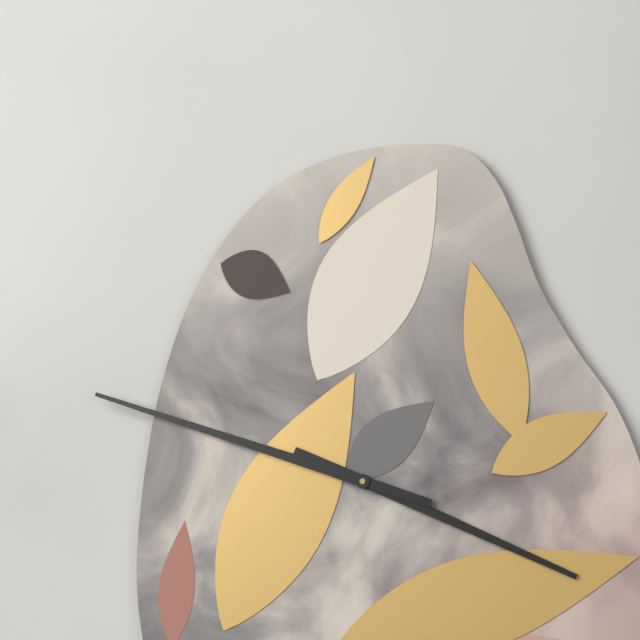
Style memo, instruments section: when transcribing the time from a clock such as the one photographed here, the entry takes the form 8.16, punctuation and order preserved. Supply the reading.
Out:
3.48
